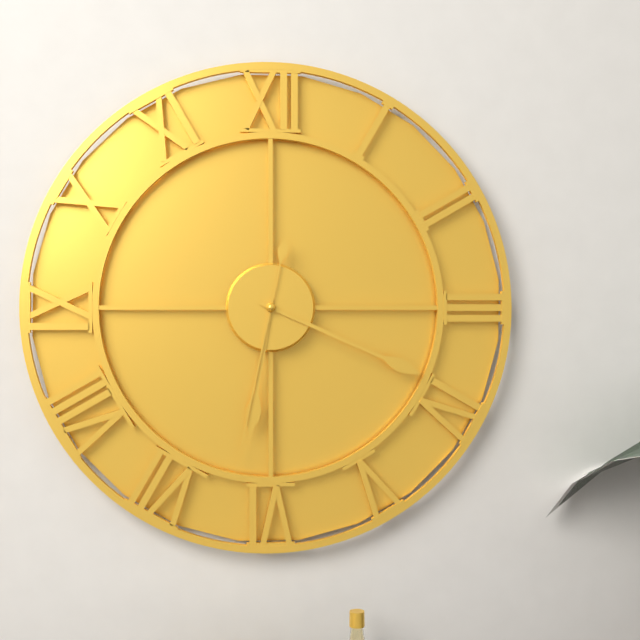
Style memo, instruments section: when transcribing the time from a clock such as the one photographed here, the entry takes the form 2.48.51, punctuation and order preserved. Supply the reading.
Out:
6.19.32
